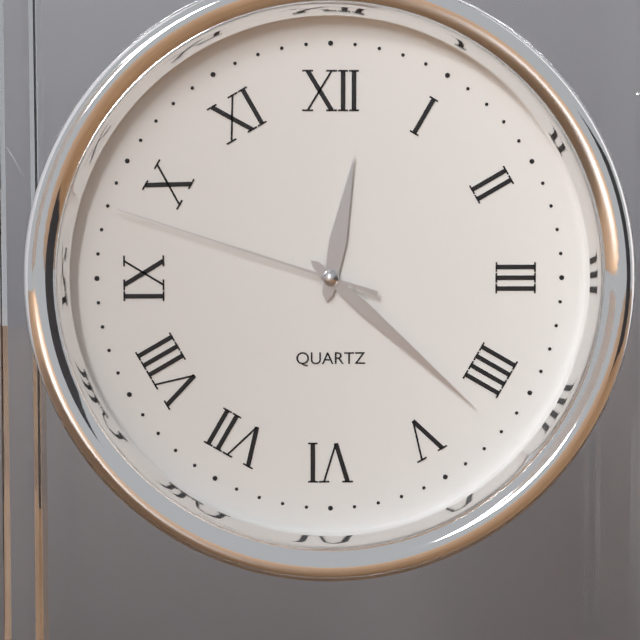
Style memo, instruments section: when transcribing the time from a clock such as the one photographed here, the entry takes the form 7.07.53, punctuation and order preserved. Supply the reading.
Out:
12.22.48
